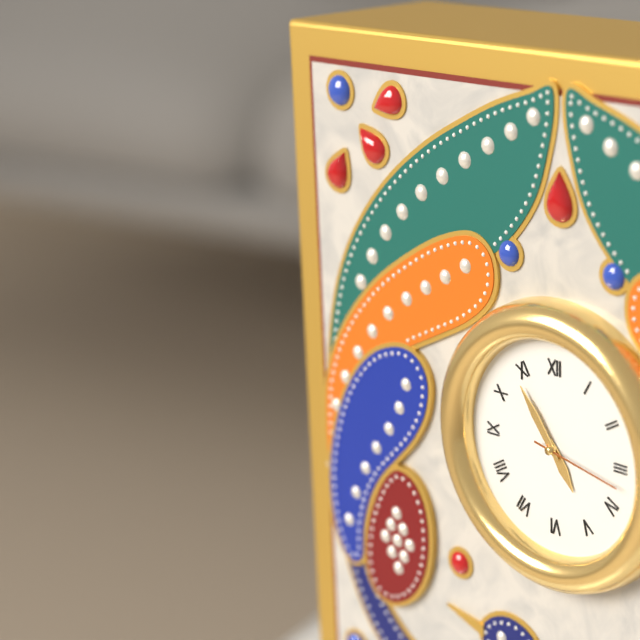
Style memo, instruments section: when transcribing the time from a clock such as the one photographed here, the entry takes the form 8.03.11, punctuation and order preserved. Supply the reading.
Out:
4.54.17
